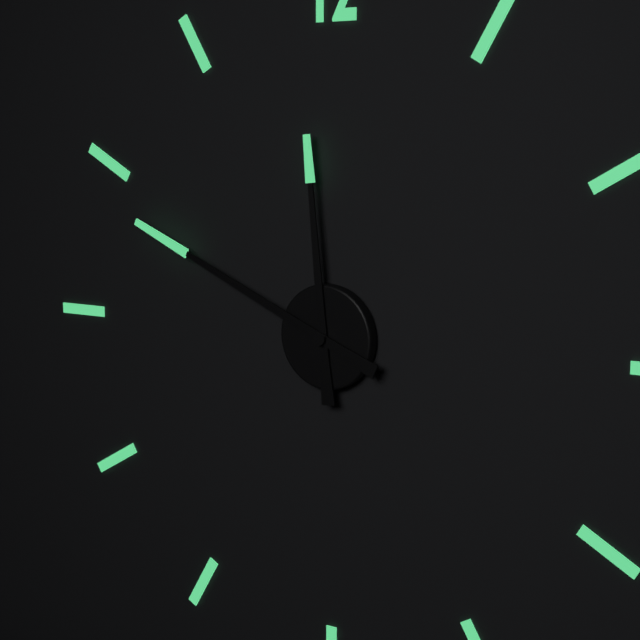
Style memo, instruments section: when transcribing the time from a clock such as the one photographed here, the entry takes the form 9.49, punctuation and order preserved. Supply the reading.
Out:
11.49
